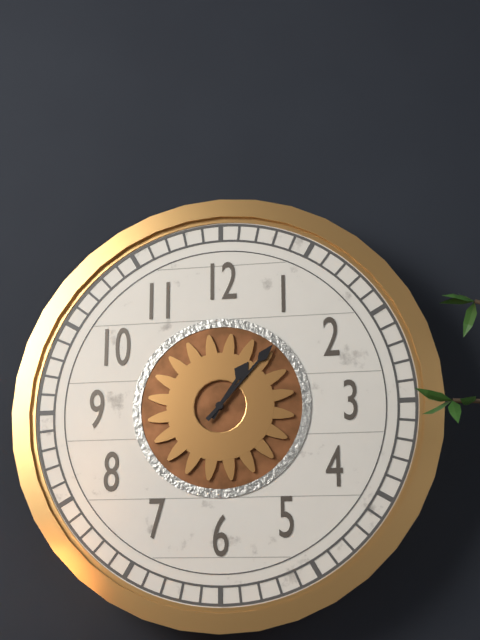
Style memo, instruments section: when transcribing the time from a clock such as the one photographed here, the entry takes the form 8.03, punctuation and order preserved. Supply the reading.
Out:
1.07
